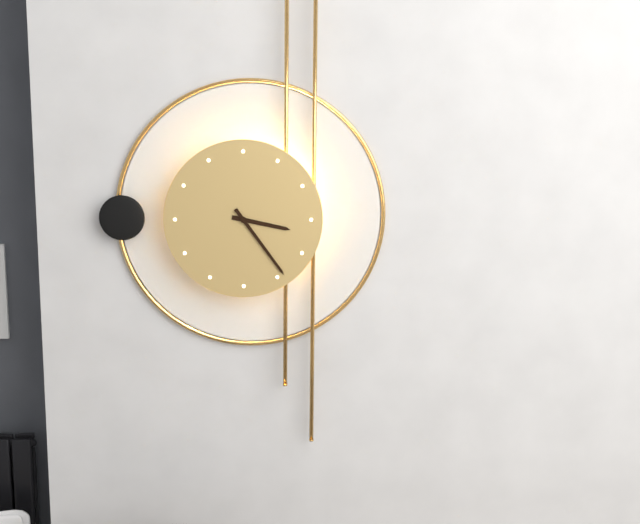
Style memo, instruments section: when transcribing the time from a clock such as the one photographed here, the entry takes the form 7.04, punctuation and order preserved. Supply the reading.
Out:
3.24
